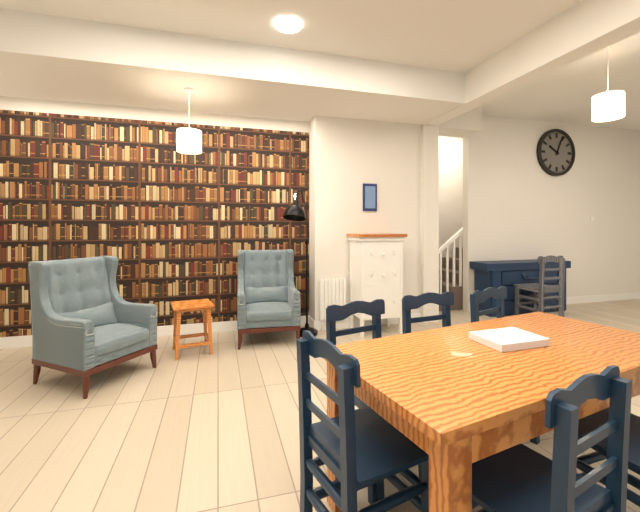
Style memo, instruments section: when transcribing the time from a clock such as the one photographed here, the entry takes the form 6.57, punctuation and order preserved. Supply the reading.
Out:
10.04
